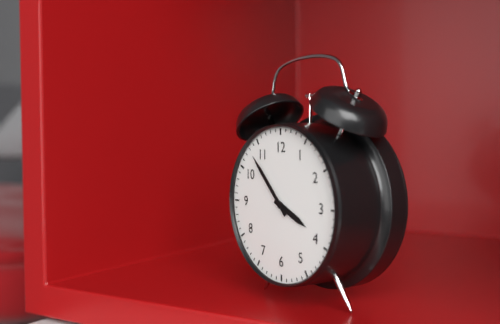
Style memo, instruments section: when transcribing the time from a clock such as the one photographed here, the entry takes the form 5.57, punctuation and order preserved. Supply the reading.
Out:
3.53
